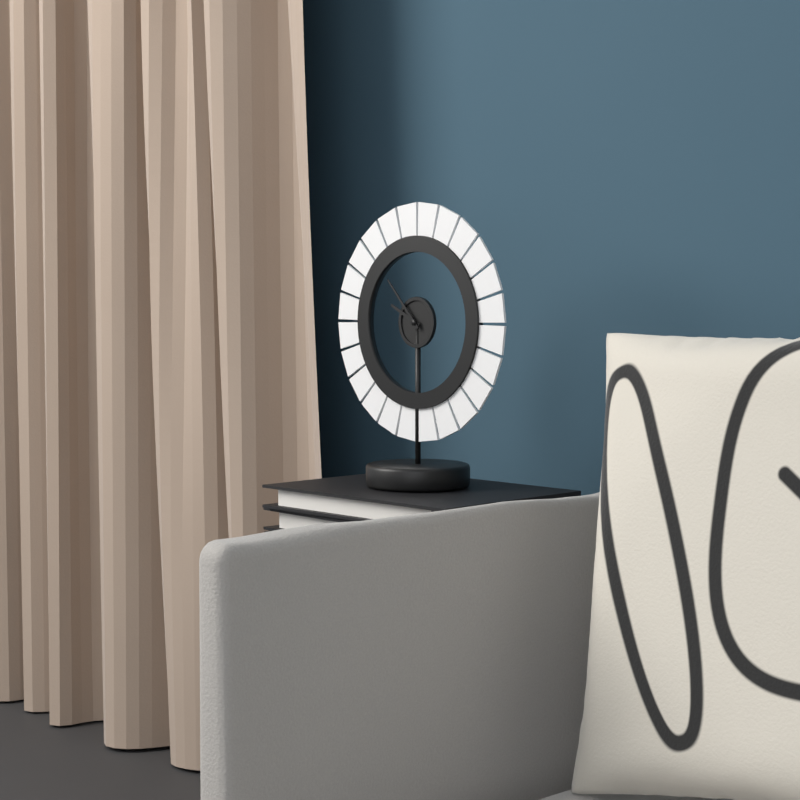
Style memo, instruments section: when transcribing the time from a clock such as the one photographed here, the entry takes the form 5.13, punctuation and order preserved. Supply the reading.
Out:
9.53
